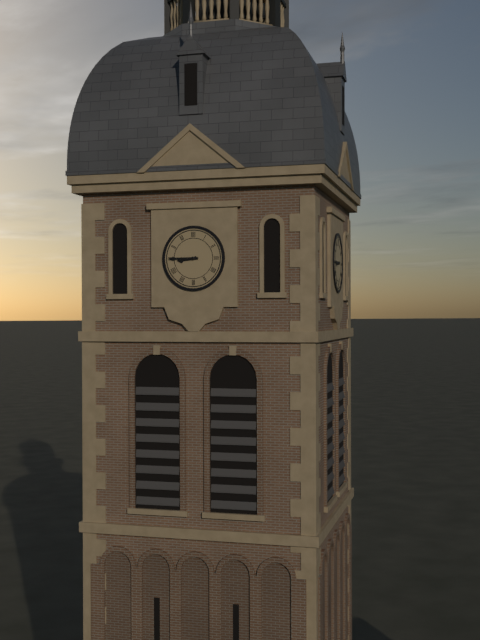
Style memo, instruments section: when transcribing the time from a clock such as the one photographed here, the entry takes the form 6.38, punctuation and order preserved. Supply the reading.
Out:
8.45
